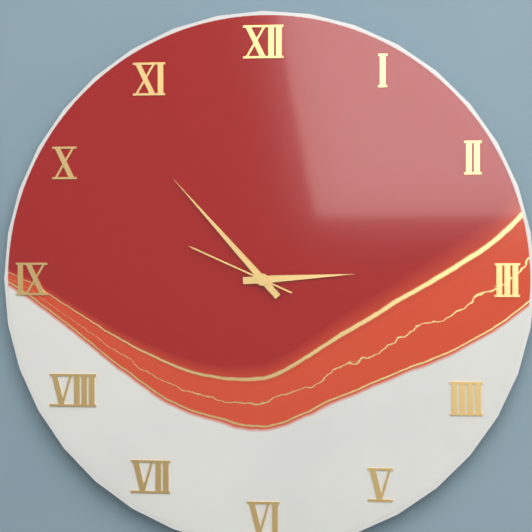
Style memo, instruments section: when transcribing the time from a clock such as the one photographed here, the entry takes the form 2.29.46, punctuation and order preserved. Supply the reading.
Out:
2.53.49
